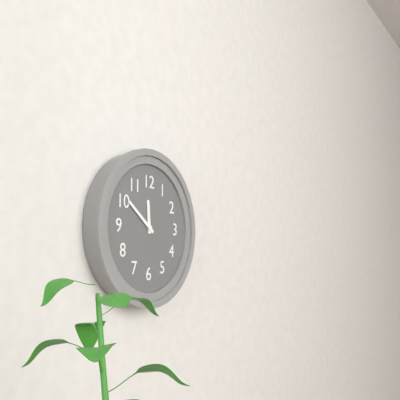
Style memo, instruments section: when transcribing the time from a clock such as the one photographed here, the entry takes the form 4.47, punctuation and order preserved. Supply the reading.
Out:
11.51
